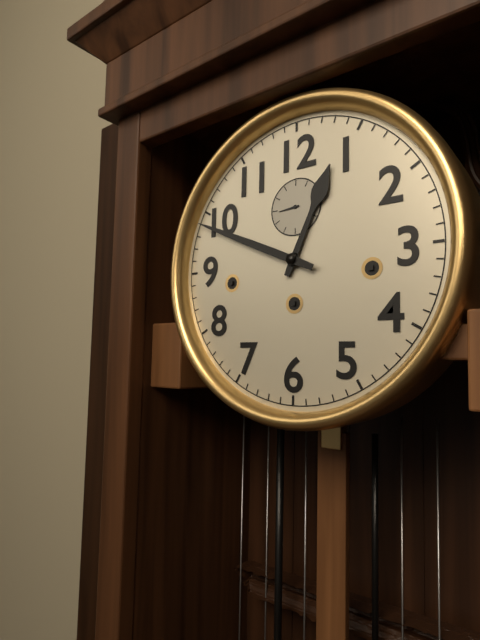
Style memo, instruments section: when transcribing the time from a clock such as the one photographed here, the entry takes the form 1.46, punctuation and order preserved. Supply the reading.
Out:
12.49
